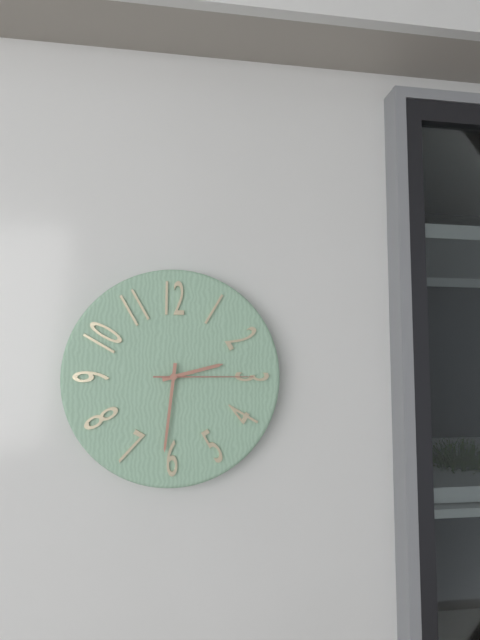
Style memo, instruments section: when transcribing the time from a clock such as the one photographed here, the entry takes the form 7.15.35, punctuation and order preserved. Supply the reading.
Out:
2.31.15
